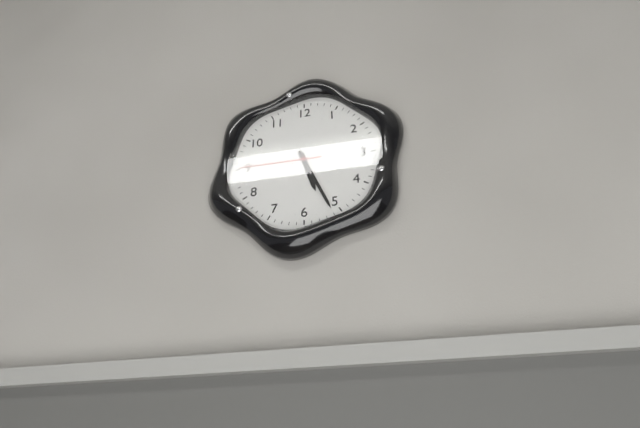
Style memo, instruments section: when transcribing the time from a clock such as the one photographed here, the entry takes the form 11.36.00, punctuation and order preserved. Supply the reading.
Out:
5.26.45
